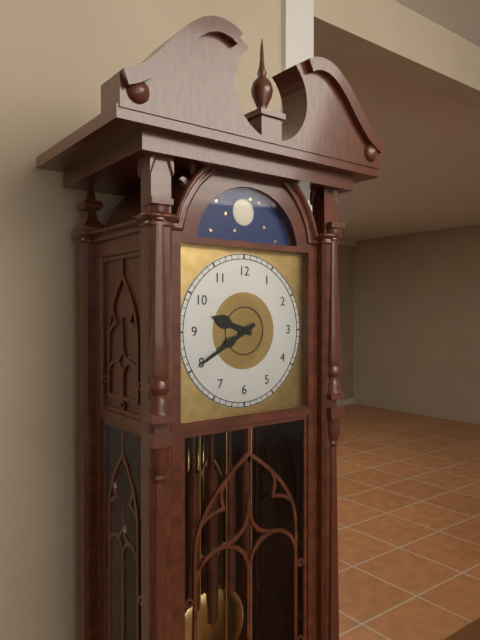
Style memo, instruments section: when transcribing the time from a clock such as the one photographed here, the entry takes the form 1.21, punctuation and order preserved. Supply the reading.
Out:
9.40
